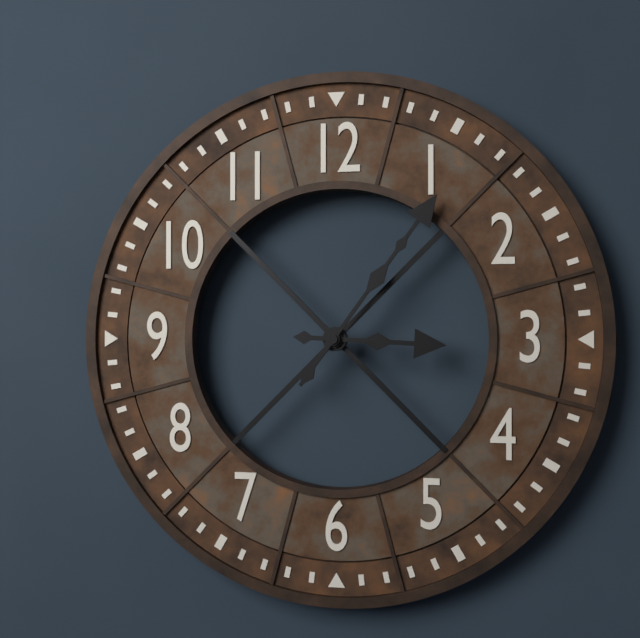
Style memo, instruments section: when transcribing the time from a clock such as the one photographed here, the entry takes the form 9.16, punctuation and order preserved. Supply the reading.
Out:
3.06
